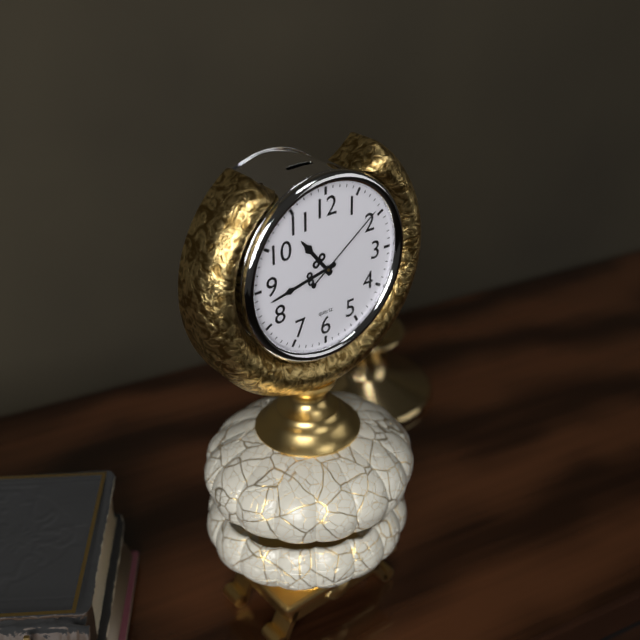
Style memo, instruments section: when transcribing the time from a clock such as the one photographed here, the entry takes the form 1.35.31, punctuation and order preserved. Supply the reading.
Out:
10.43.09
